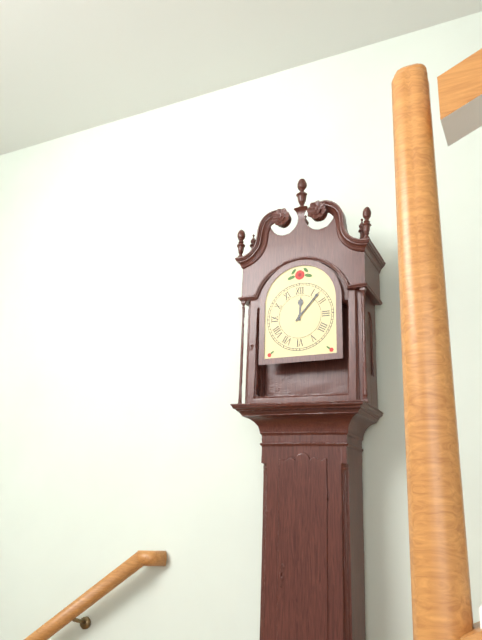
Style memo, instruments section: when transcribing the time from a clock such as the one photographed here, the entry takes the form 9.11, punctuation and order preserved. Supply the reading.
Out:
12.07
